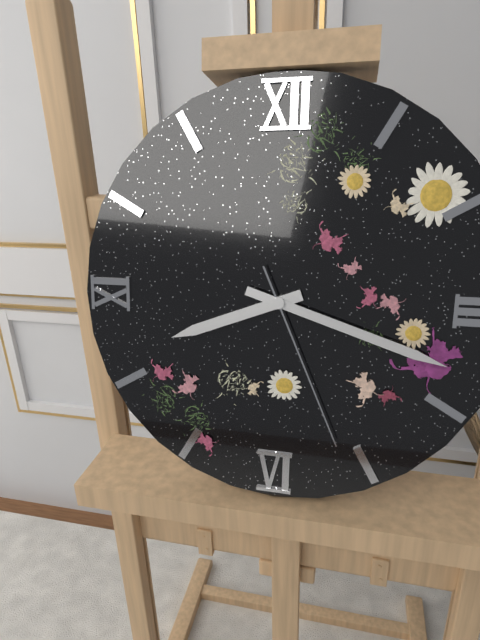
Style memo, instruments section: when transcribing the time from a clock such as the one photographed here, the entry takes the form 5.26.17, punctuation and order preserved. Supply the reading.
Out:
8.18.26
